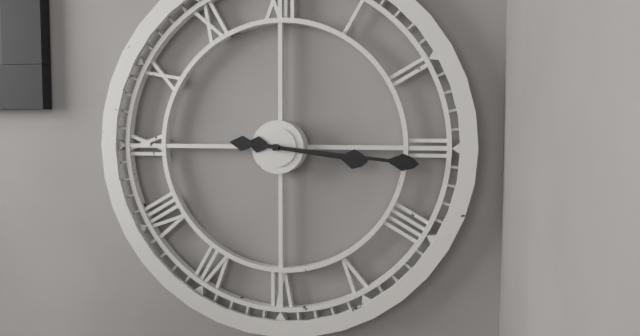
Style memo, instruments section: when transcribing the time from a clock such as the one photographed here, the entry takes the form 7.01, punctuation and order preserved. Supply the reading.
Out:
3.16
